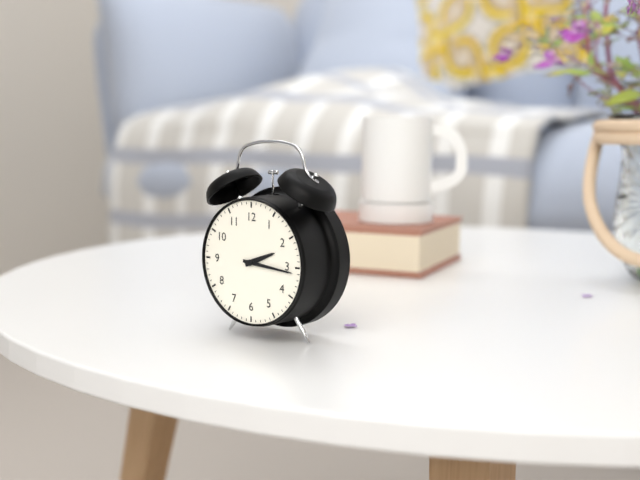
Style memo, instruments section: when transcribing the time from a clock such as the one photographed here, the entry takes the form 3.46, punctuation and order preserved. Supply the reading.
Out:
2.16
